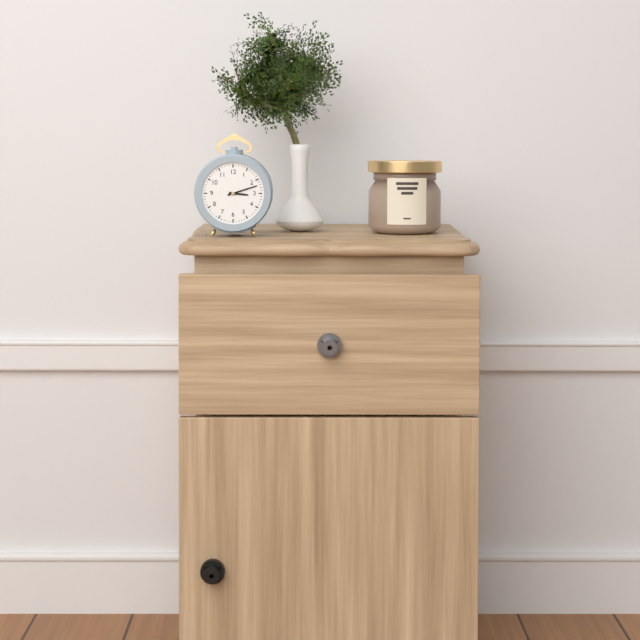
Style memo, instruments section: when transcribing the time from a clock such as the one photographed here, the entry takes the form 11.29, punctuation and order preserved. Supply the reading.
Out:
3.12
